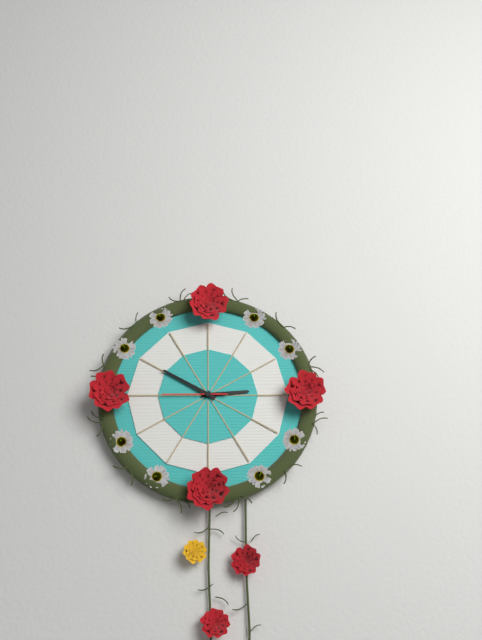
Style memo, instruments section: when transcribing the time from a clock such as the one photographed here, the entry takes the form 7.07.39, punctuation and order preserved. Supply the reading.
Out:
2.50.45
